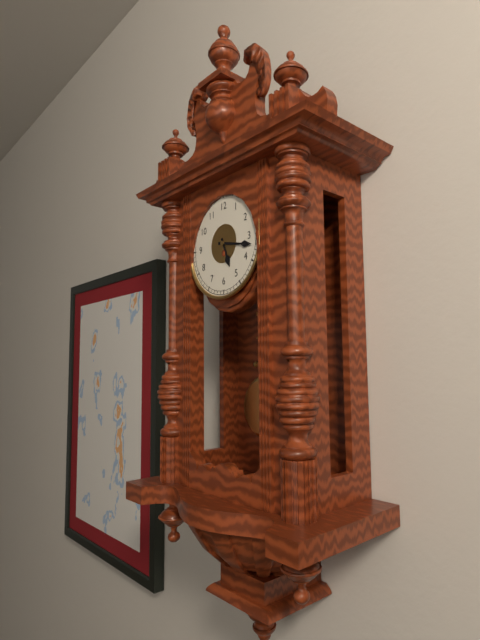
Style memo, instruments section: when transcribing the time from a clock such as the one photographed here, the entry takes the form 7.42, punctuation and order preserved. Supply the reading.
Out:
5.17
